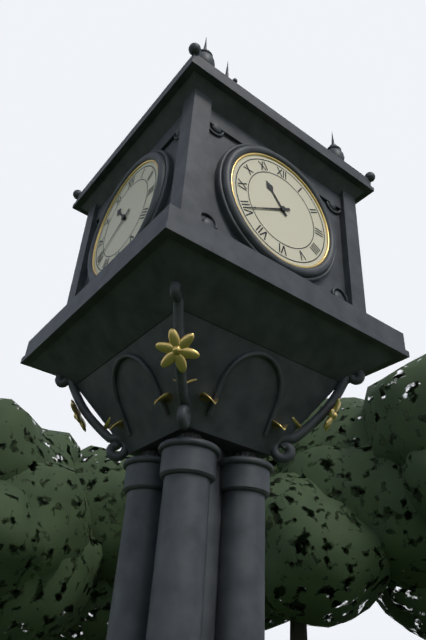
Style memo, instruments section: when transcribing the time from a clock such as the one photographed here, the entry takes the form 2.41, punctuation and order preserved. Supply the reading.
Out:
10.40
